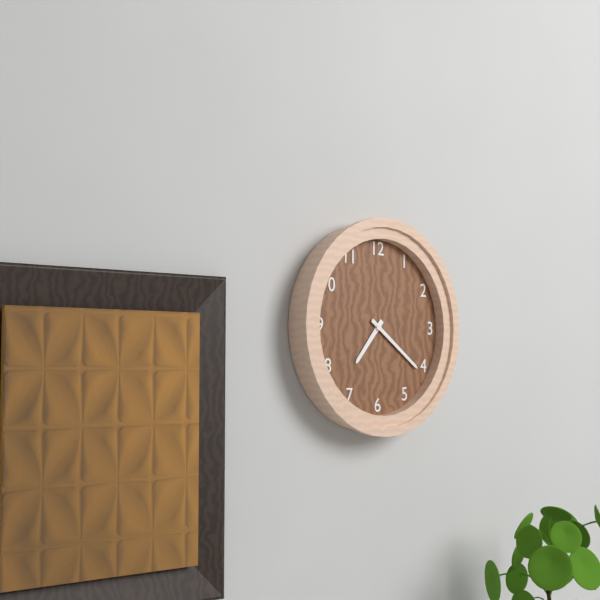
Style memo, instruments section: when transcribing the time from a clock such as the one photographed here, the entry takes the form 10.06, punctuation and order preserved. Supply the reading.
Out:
7.21
